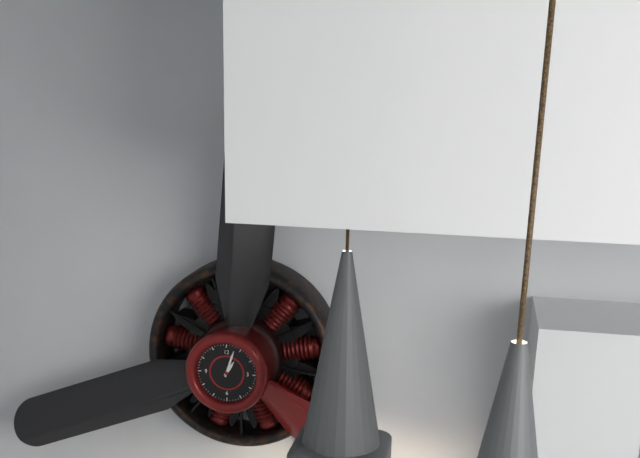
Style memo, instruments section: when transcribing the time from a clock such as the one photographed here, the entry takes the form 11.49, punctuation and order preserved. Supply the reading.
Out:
1.03
